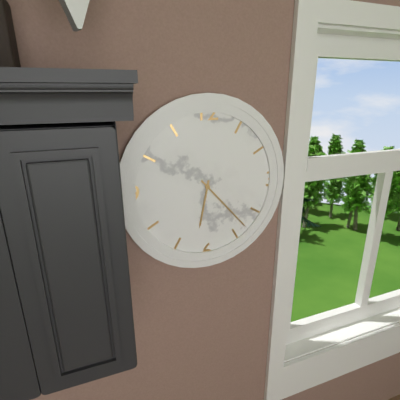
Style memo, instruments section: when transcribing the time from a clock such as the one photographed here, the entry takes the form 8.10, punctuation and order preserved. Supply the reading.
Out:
6.23
